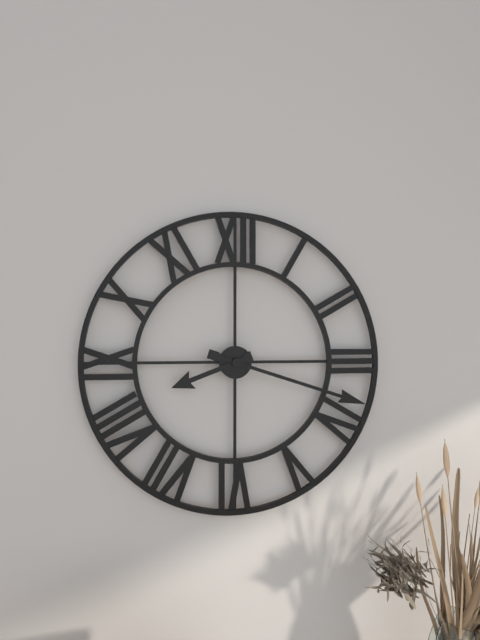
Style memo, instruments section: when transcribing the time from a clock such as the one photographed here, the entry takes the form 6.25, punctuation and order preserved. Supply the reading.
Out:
8.18
